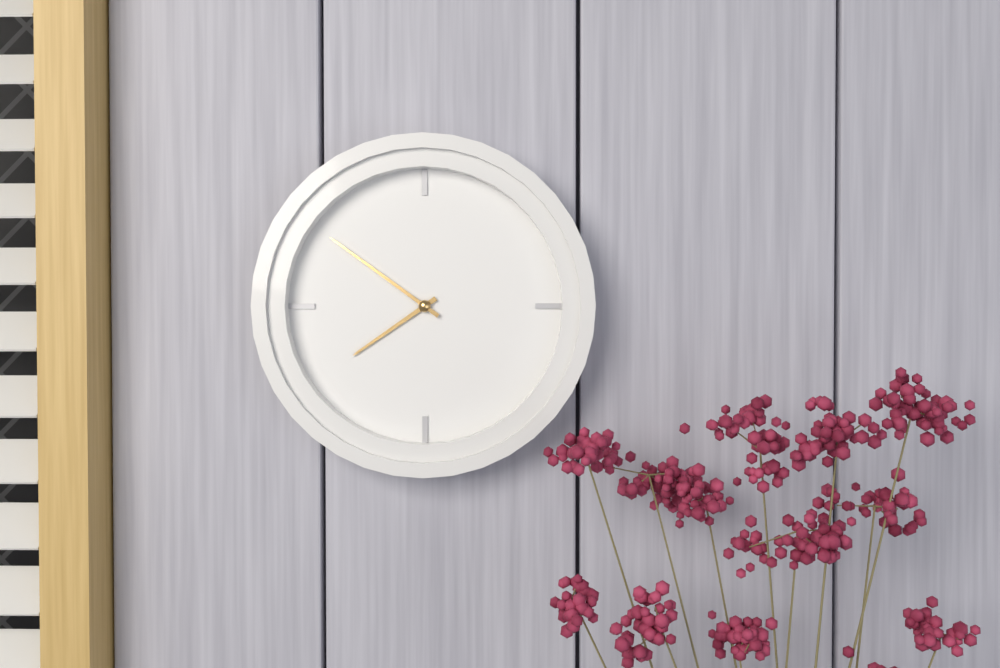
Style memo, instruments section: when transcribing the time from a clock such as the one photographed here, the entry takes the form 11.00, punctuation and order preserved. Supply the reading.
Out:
7.51
